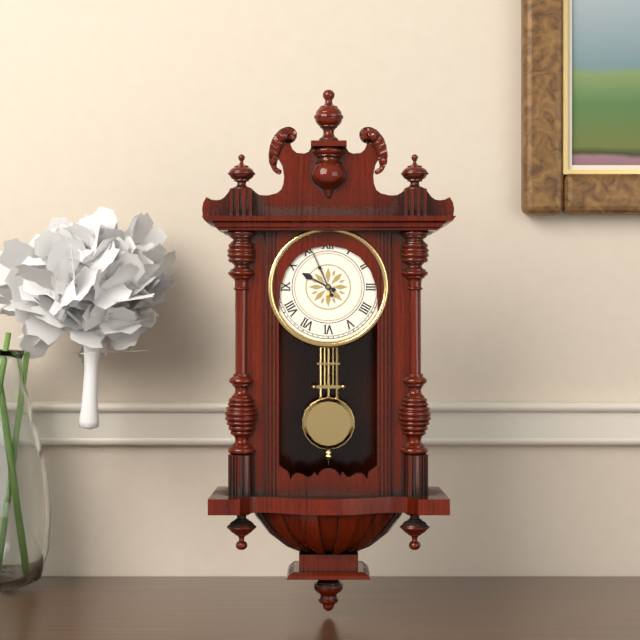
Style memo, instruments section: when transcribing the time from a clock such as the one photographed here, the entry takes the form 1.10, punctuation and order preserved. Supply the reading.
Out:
9.56
